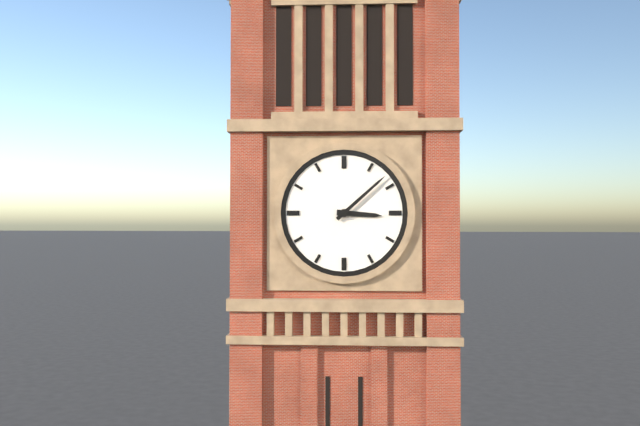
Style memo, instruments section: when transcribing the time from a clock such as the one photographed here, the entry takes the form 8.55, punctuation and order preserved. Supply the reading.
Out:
3.08
